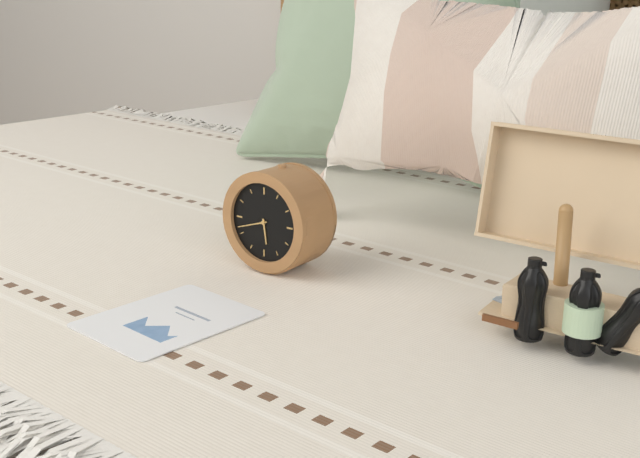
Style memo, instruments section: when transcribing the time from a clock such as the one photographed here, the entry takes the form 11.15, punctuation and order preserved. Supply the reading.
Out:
5.42
